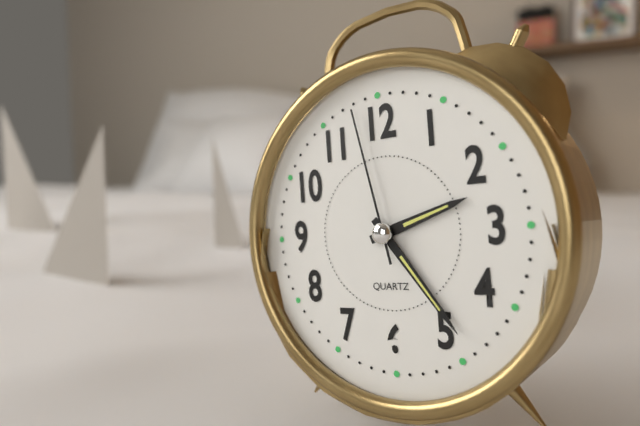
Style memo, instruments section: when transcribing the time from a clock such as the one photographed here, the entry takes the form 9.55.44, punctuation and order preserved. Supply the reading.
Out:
2.24.58
